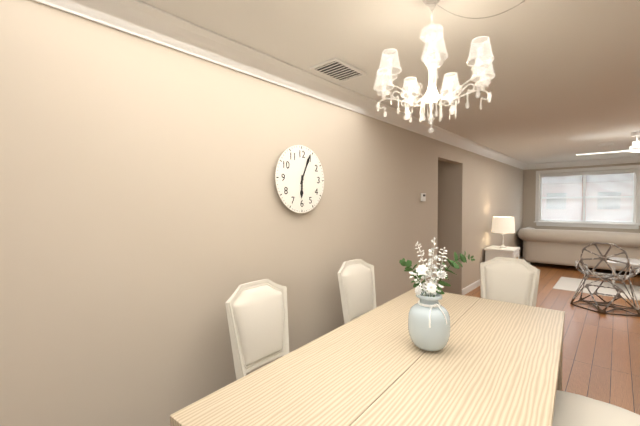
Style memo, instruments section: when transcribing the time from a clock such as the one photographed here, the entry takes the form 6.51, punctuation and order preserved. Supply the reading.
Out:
6.04
